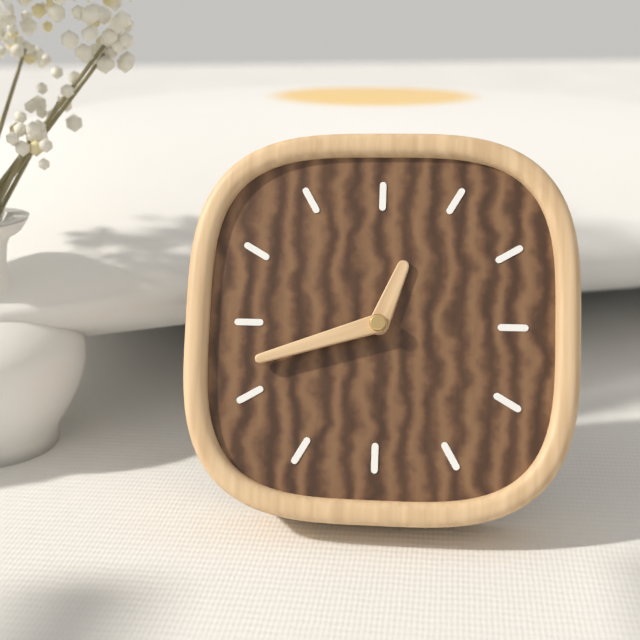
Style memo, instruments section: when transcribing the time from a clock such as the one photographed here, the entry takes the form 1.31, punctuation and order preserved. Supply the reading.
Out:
12.42
